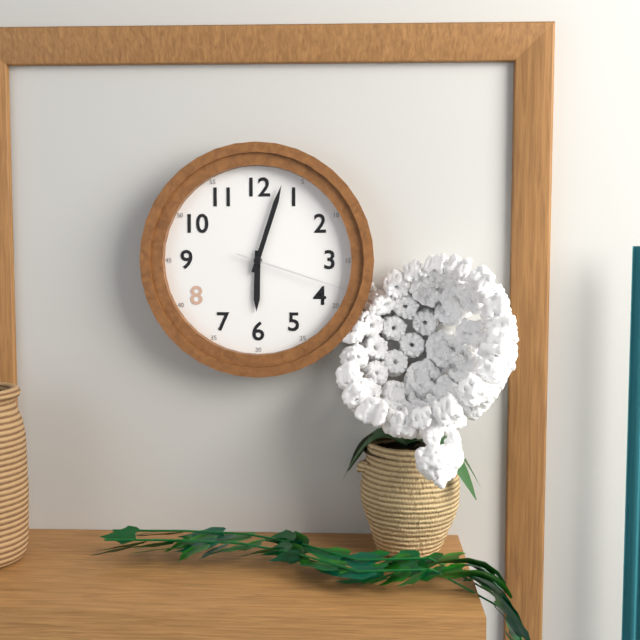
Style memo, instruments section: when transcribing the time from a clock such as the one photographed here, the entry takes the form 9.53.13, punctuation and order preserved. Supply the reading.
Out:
6.03.18
